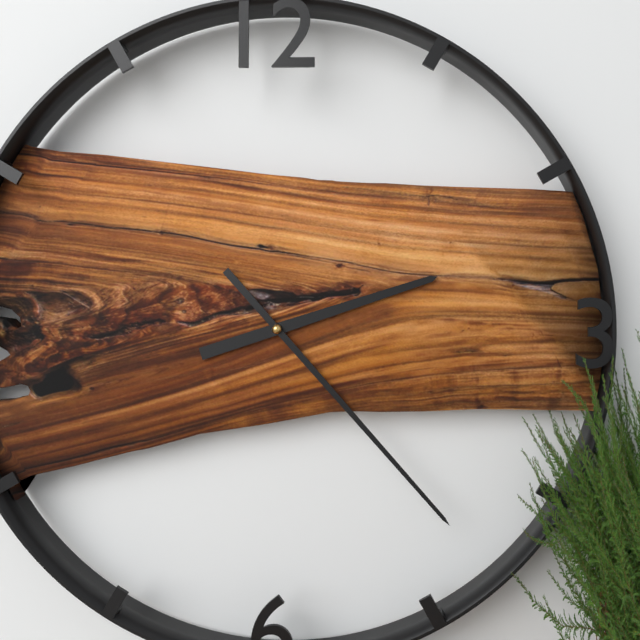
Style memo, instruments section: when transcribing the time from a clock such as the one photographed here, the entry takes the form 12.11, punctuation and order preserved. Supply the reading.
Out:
2.23
